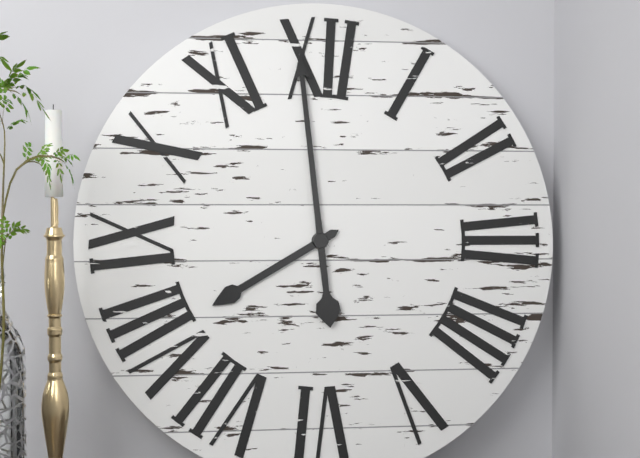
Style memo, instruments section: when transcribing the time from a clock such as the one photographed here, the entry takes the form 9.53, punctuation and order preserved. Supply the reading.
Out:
7.59
